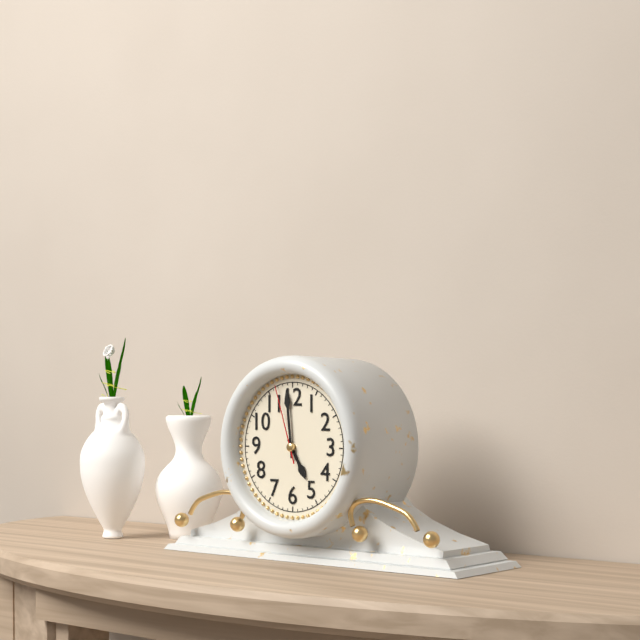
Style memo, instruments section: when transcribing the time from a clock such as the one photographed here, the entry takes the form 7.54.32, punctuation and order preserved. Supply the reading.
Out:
4.59.57
